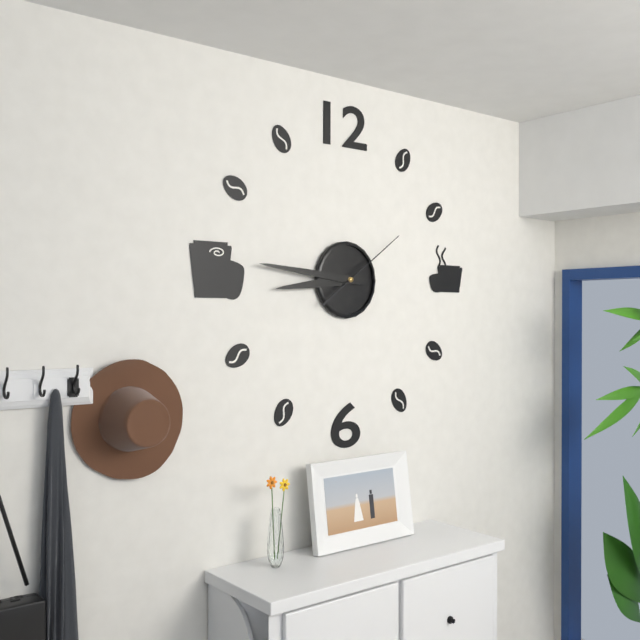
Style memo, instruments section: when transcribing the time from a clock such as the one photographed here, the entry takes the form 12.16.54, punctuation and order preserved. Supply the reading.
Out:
8.46.09
